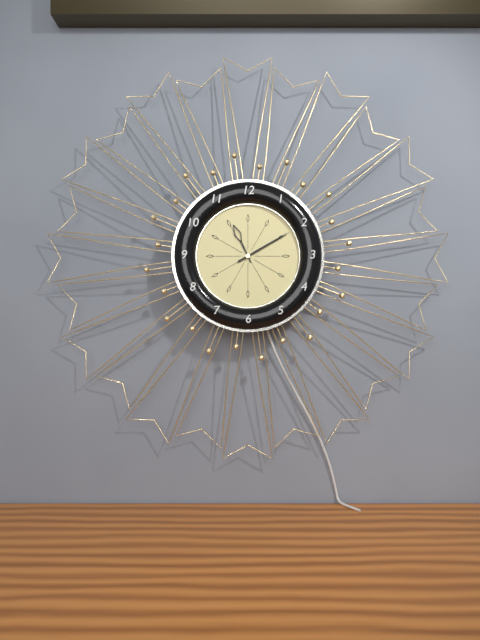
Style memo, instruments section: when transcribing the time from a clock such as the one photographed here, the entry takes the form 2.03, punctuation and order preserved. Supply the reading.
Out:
11.10
